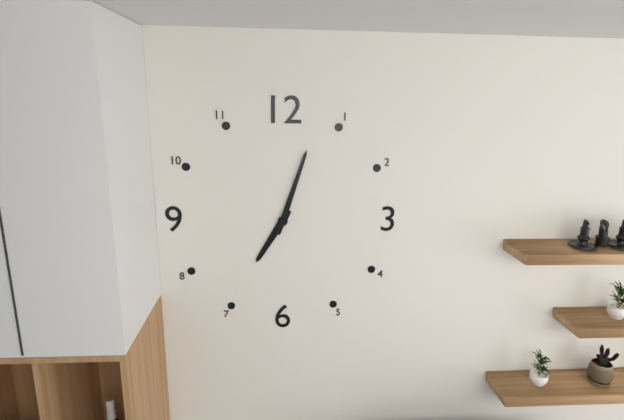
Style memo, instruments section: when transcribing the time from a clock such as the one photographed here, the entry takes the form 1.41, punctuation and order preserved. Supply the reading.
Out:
7.03
